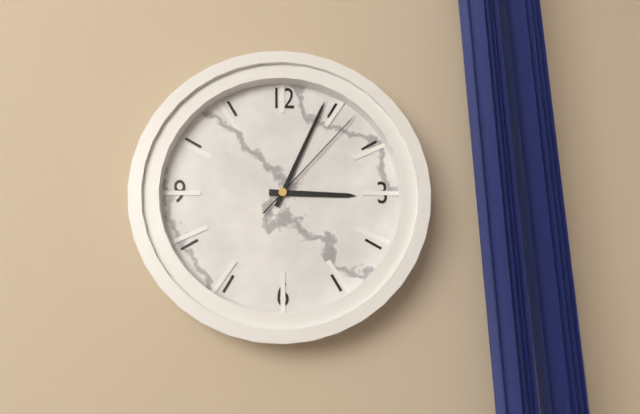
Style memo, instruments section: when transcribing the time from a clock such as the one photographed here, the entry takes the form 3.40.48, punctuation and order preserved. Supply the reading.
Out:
3.04.07
